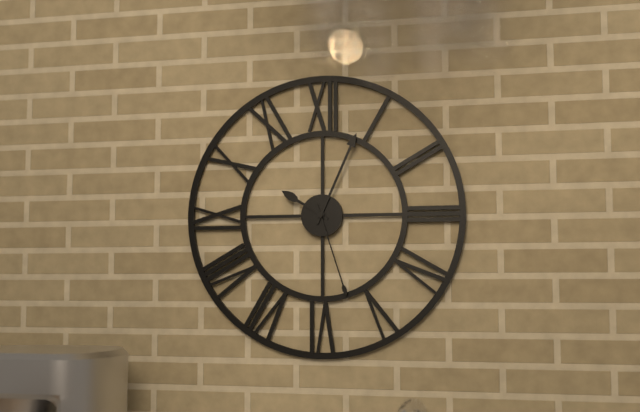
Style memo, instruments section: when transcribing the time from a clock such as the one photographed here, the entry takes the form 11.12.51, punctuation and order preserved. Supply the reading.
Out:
10.04.27
